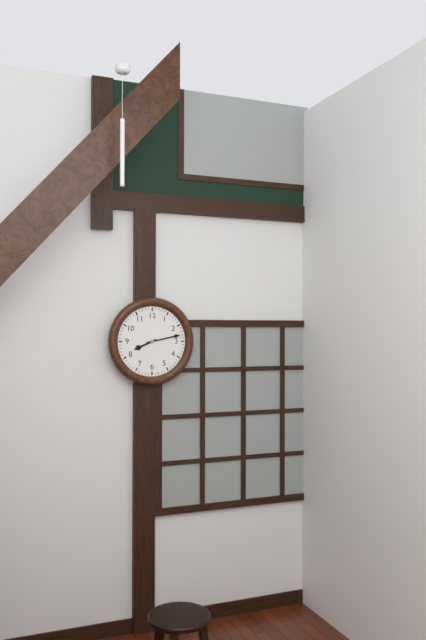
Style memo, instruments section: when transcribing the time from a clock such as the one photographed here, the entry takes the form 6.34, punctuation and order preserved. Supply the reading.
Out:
8.13
